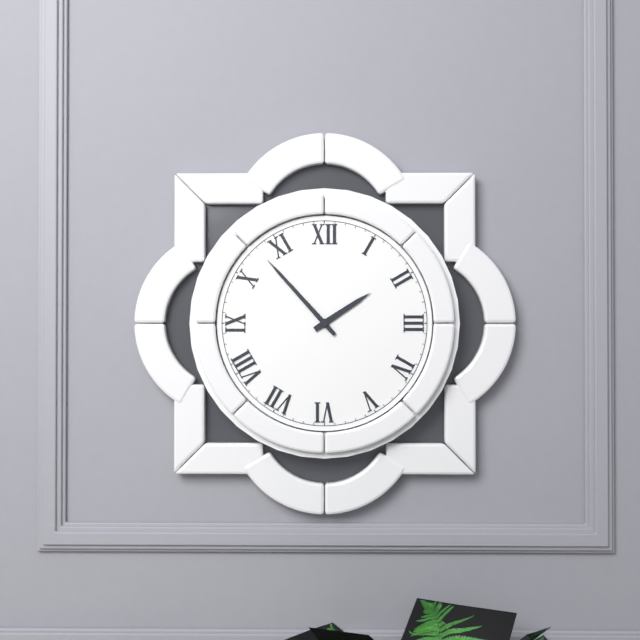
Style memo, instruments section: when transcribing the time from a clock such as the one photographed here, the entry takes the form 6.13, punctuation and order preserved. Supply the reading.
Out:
1.53
